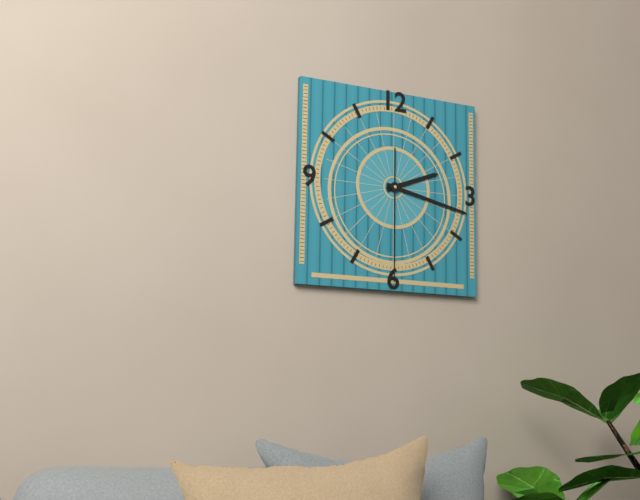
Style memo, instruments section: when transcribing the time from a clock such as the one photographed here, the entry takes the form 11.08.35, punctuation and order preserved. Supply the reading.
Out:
2.17.30
